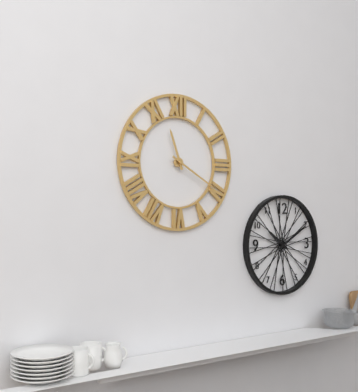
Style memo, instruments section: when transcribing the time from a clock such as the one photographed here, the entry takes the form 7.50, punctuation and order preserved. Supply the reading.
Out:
11.20
